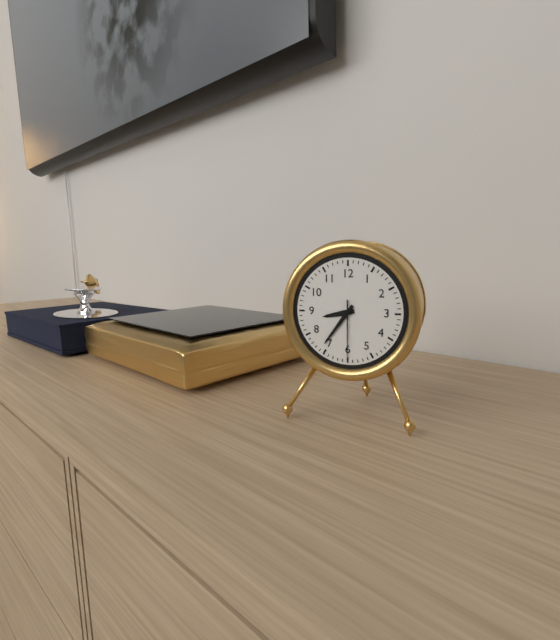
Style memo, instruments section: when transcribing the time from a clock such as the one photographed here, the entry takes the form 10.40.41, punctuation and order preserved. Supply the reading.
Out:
8.36.30
